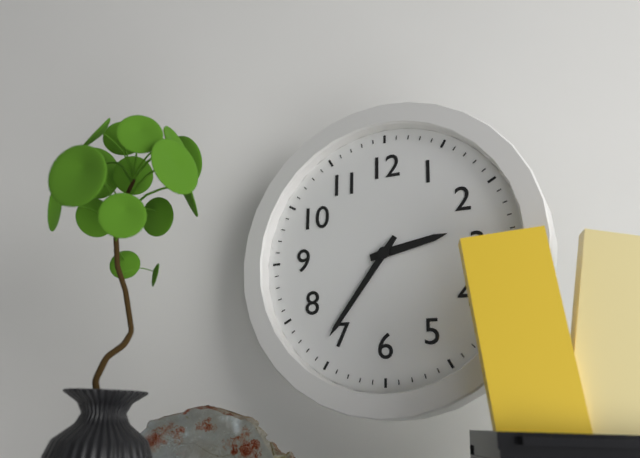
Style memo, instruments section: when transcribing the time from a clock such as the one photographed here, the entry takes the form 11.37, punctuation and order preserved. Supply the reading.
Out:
2.36
